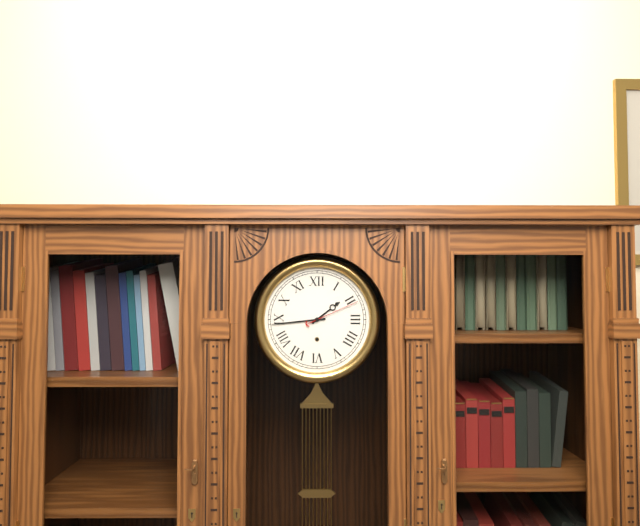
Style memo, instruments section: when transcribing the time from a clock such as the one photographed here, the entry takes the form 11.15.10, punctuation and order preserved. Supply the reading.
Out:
1.44.11
